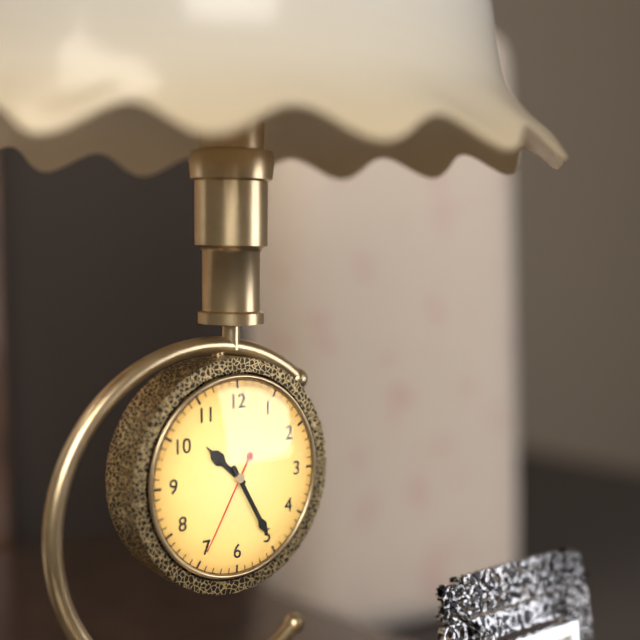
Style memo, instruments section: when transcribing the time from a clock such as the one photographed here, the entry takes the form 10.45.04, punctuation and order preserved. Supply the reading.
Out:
10.25.35
